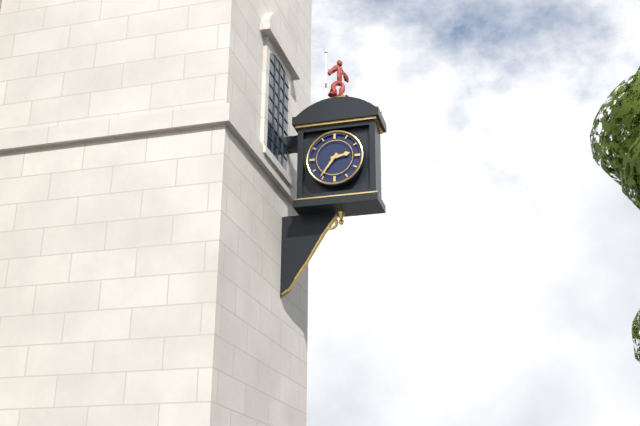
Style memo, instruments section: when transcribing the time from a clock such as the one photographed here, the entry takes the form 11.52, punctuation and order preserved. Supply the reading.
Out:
2.36
